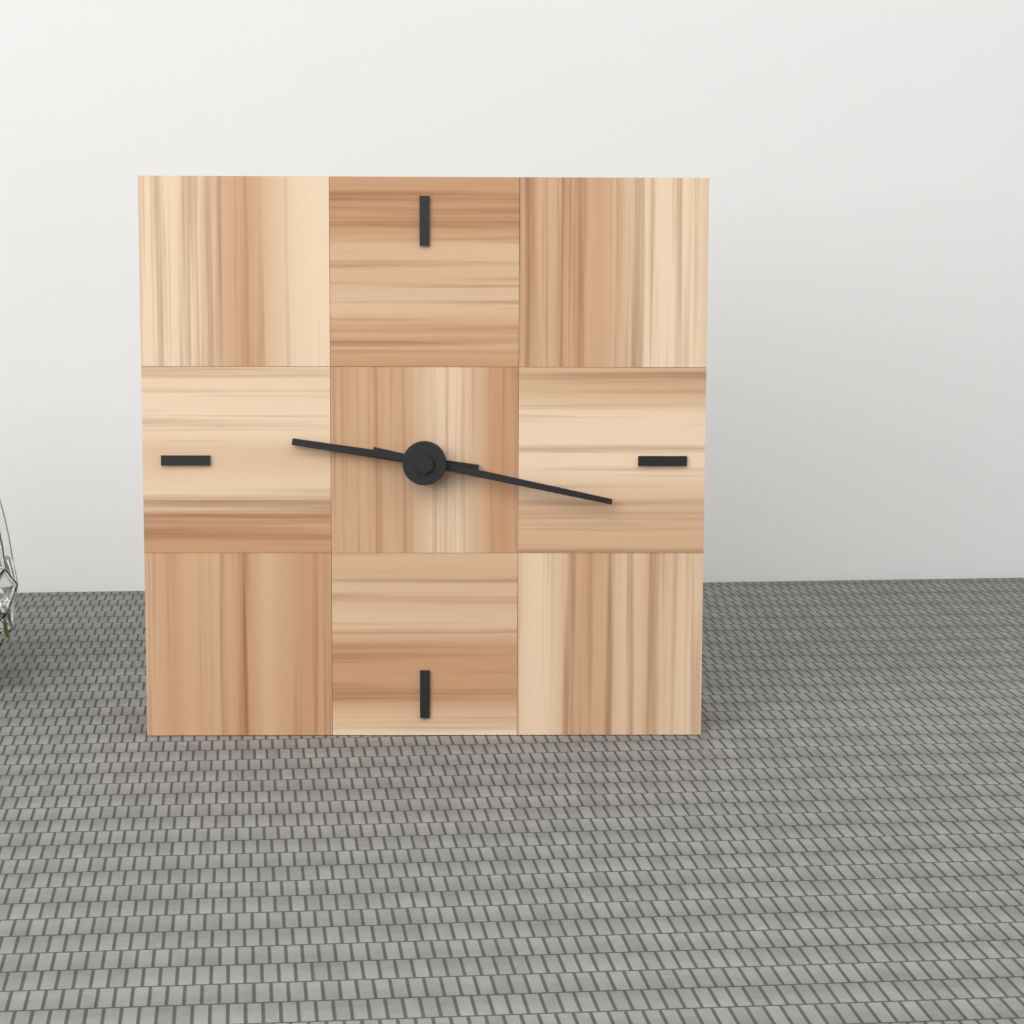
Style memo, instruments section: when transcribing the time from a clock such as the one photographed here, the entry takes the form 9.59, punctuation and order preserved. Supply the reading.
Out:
9.17
